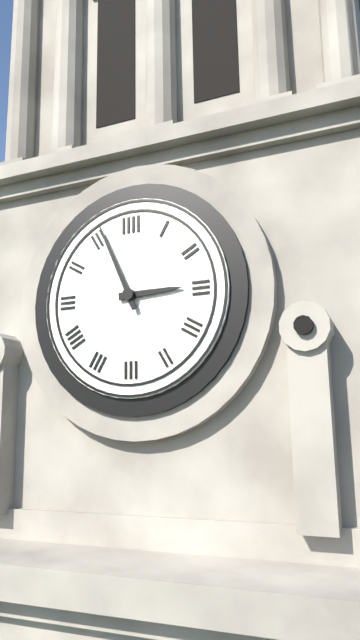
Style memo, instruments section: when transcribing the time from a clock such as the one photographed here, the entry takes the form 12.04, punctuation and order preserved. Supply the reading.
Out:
2.56
